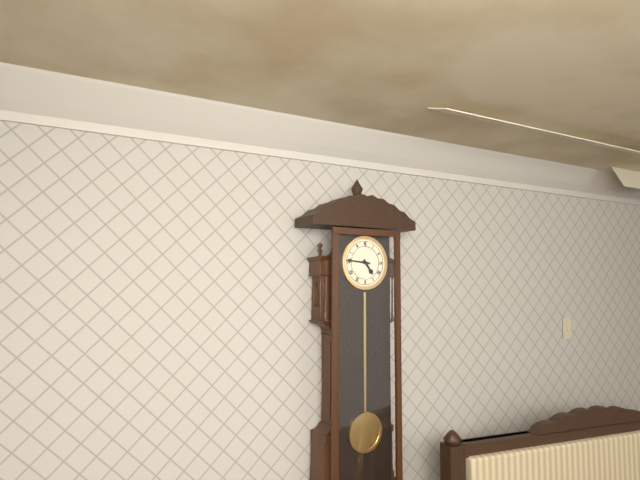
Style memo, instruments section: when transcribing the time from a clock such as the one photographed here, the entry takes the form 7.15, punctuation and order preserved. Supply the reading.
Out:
4.46
